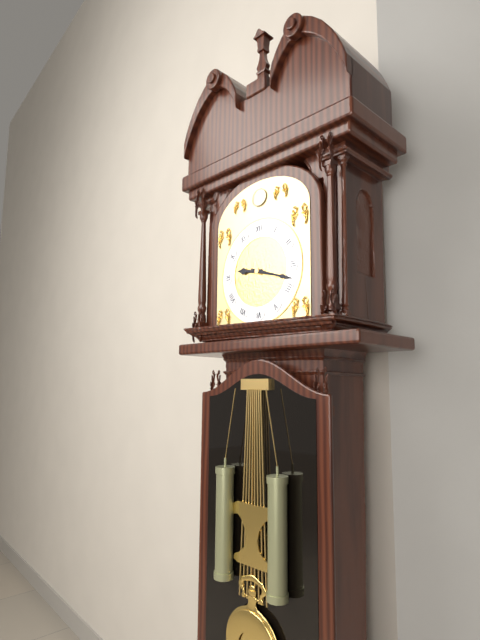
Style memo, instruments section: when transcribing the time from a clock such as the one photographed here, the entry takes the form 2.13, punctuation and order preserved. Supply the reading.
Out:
9.18
